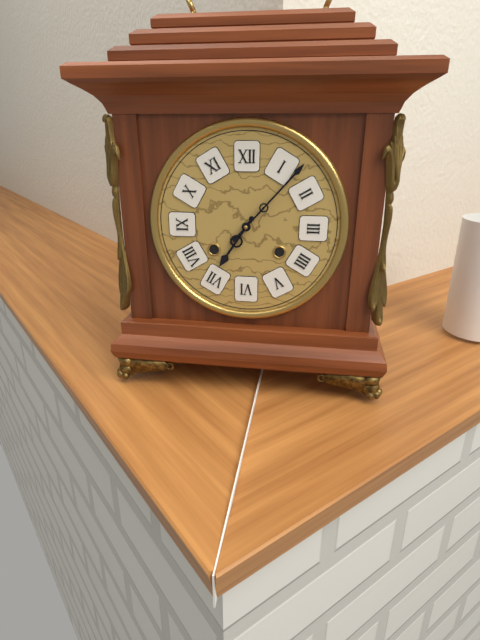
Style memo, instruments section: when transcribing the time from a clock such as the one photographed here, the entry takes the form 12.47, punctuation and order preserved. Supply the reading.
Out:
7.07
